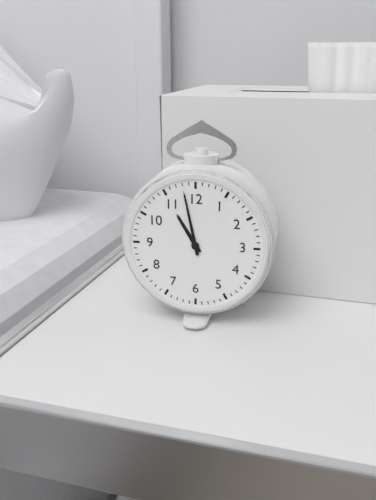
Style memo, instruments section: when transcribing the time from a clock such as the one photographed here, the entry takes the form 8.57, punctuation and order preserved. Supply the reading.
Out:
10.58
